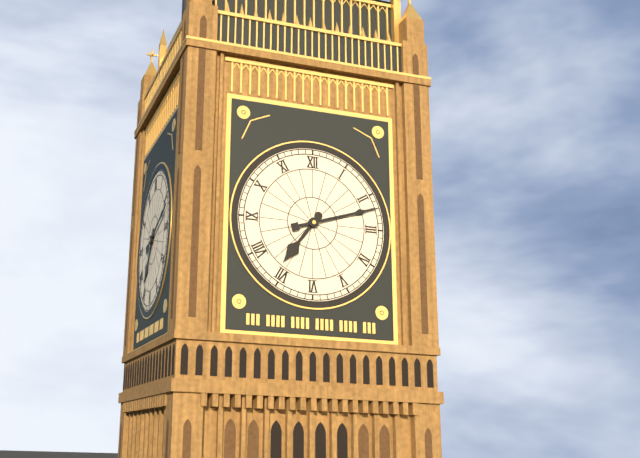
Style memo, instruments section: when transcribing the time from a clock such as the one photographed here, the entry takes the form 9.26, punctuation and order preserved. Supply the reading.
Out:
7.12
